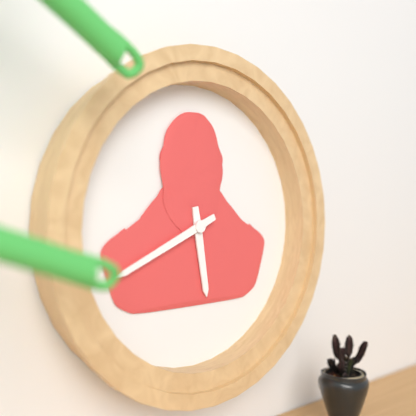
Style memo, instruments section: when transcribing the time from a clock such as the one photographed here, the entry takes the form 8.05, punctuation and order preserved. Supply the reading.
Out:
5.41
